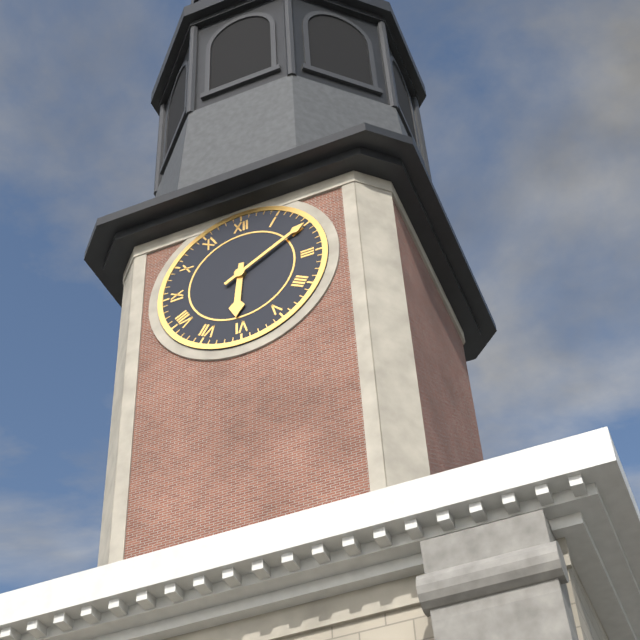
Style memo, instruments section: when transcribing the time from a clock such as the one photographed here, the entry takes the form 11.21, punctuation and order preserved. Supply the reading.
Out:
6.10
